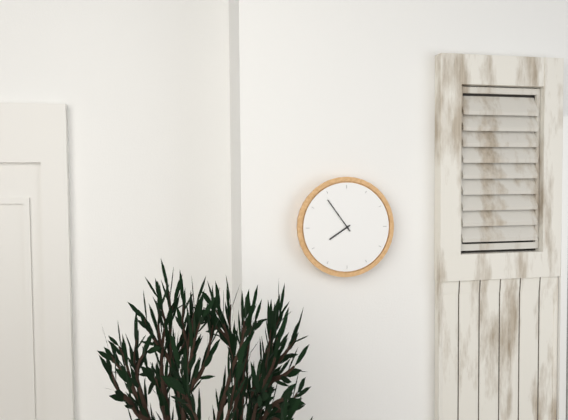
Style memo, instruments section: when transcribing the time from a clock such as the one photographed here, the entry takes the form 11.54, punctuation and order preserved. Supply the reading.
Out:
7.54
